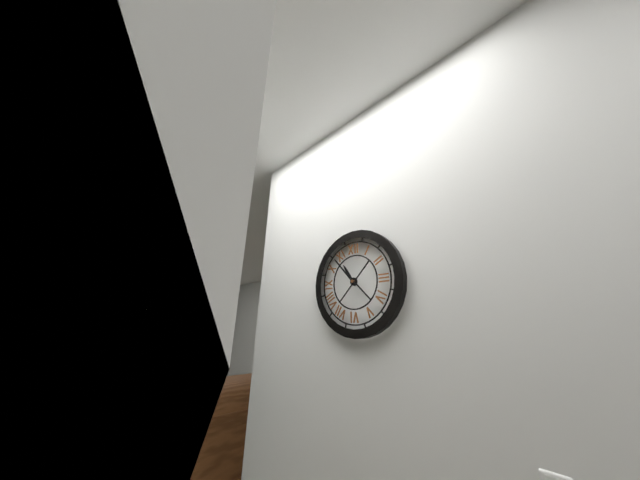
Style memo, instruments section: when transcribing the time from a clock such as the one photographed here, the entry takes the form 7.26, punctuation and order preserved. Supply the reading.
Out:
10.53
